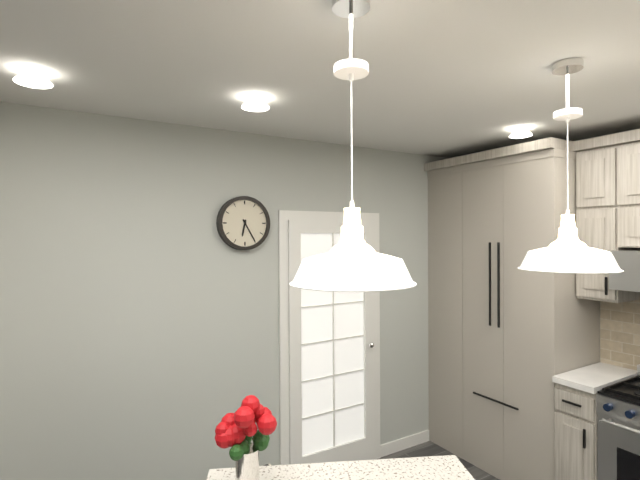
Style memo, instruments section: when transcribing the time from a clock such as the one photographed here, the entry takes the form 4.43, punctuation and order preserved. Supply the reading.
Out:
6.25
